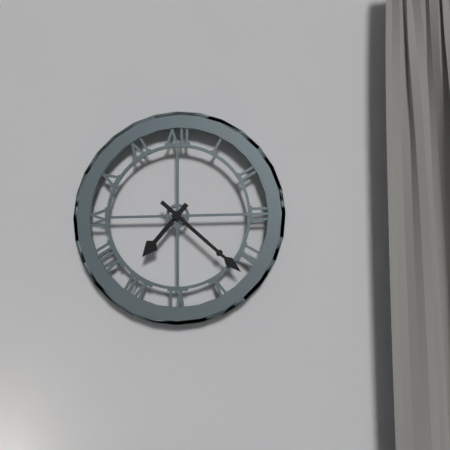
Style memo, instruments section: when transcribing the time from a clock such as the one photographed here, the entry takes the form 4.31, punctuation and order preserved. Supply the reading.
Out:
7.22
